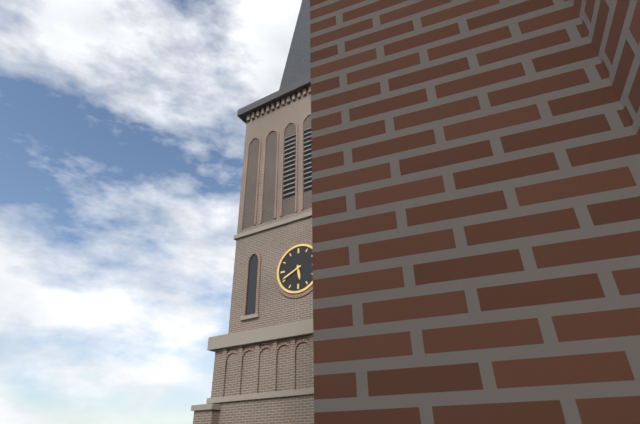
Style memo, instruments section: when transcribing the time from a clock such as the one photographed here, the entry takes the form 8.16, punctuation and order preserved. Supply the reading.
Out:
5.41
